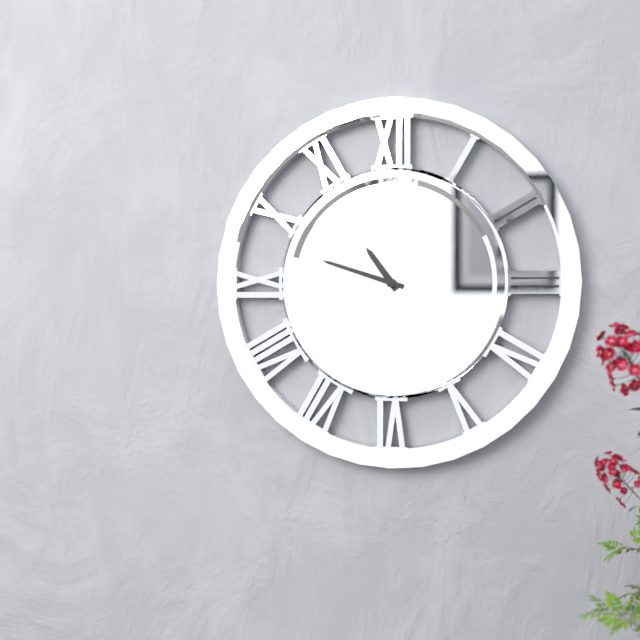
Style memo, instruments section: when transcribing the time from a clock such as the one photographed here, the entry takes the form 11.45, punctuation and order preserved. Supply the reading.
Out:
10.48
